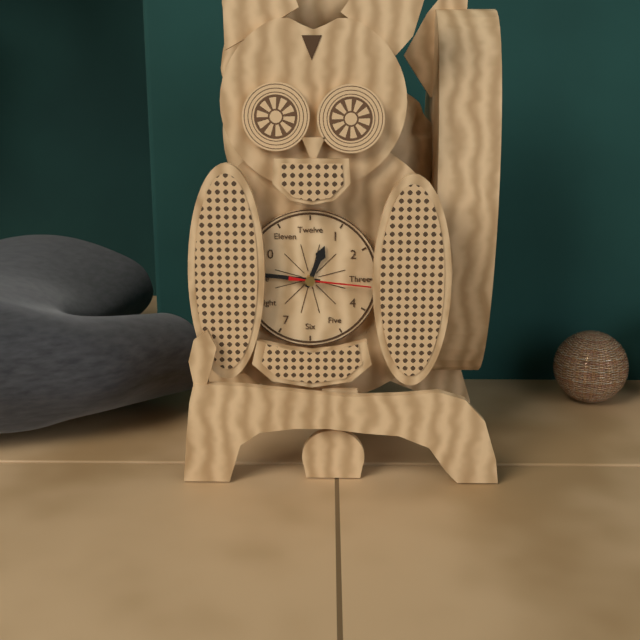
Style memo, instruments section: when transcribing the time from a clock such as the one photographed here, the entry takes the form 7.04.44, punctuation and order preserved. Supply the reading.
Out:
12.46.16
